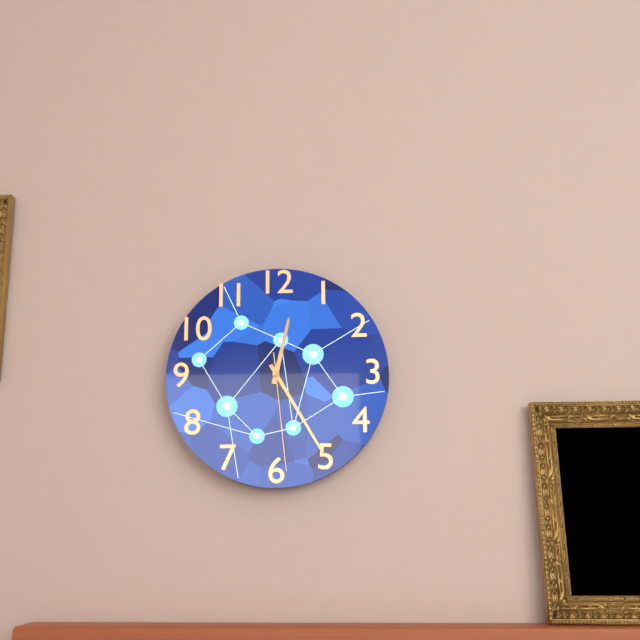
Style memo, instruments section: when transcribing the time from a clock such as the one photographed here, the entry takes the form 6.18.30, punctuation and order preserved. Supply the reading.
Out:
12.25.29
